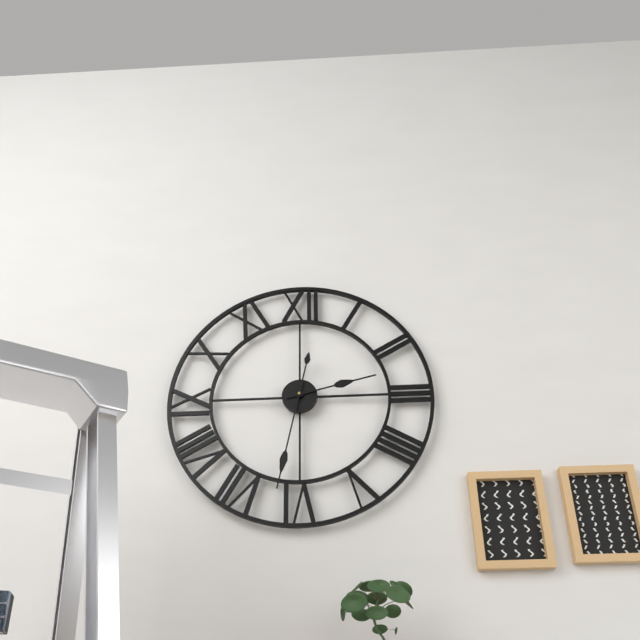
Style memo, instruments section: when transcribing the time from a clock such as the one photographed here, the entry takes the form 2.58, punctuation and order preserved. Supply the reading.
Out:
2.32
